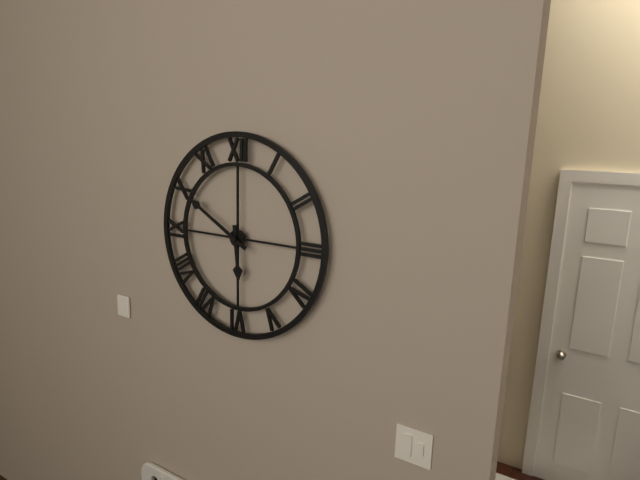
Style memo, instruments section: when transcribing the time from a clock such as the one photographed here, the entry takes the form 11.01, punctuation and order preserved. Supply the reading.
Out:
5.50
